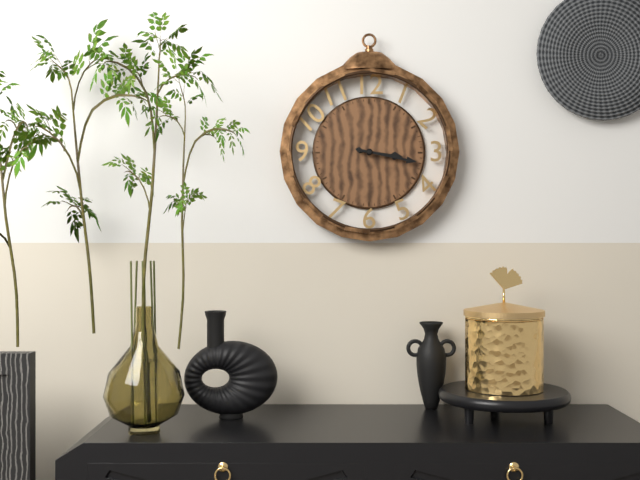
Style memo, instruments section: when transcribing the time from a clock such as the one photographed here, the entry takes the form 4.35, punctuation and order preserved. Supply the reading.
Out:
3.17
